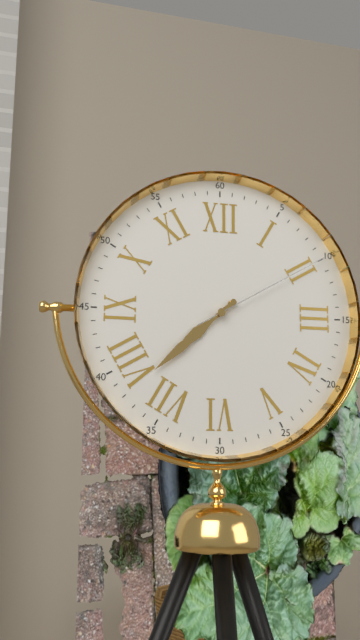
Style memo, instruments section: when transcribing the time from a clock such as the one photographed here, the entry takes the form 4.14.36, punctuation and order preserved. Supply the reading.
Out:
7.38.10
